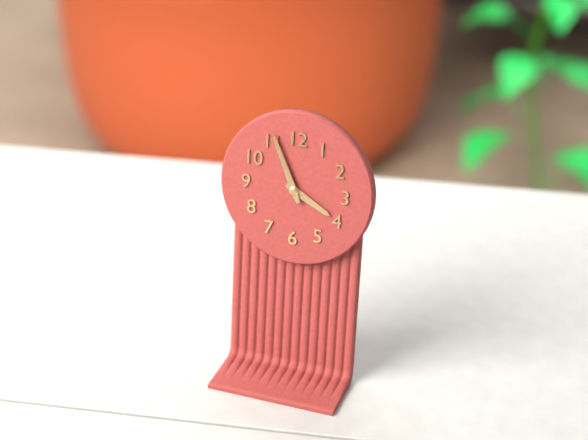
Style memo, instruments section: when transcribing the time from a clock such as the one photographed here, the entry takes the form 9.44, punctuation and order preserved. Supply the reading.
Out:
3.56
